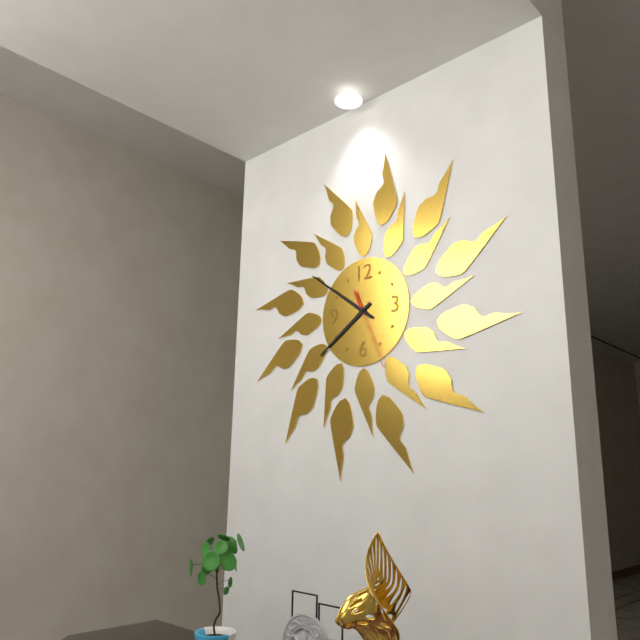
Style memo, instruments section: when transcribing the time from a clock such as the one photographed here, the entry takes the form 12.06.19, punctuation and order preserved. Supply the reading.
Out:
7.51.26
